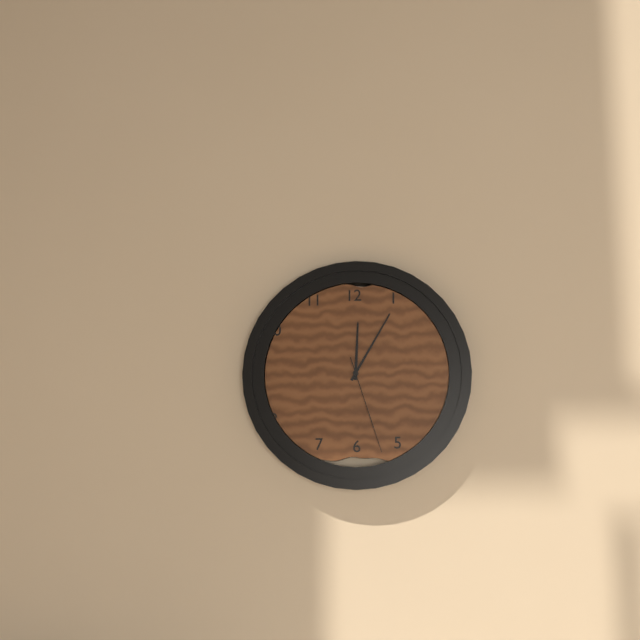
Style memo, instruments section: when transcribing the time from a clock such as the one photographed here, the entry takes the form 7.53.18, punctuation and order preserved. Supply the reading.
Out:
12.05.27
